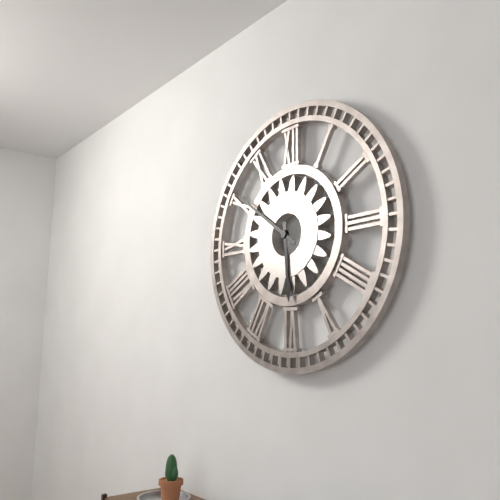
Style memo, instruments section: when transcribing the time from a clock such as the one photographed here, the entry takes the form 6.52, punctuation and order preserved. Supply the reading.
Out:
5.51
